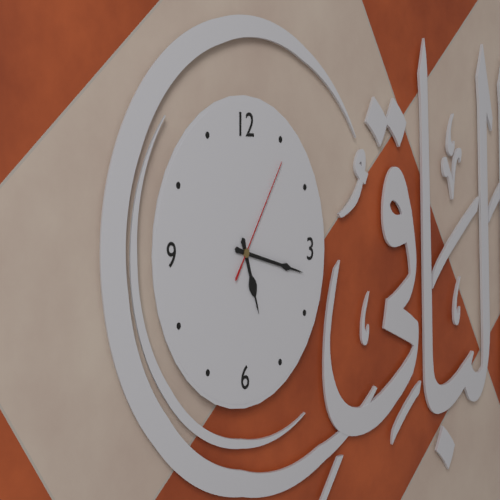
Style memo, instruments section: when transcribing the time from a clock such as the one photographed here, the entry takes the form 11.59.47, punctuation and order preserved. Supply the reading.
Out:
5.17.06
